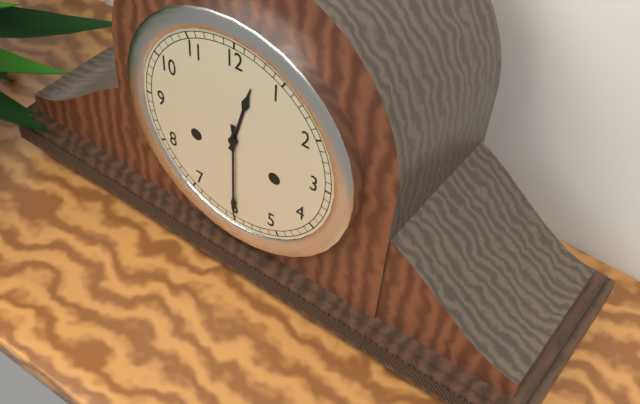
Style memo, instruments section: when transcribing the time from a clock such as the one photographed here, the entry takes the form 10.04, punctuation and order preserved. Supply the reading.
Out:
12.30
